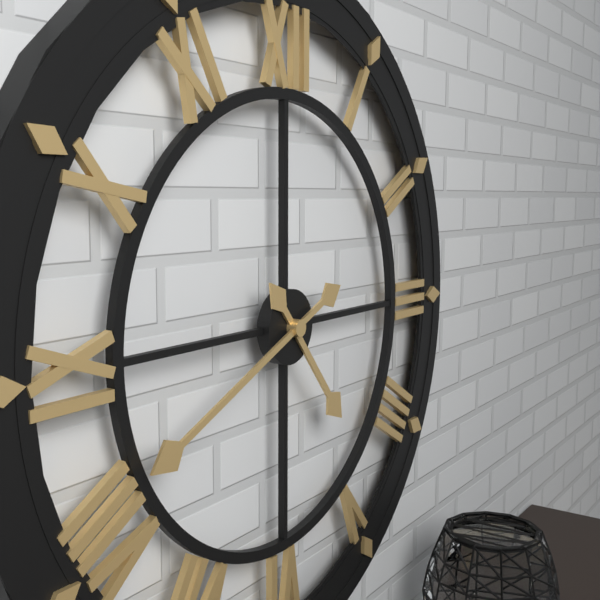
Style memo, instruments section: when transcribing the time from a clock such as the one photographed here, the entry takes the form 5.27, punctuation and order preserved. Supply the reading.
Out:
4.41
